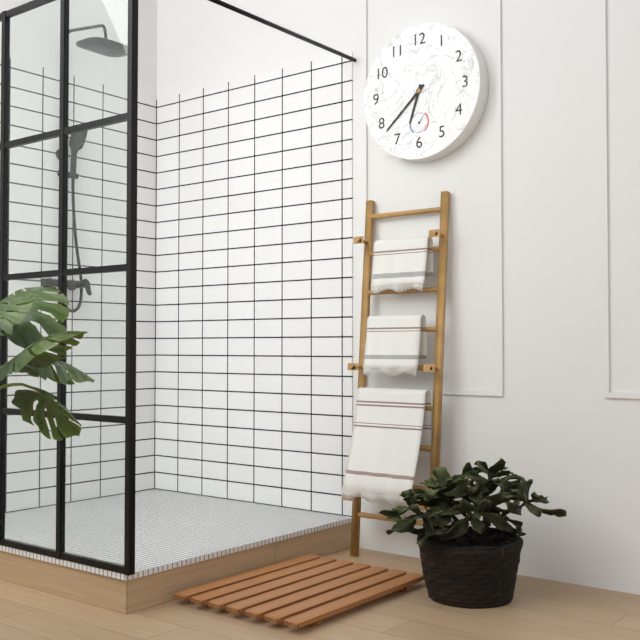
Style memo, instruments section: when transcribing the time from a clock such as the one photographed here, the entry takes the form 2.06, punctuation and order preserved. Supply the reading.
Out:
6.38
